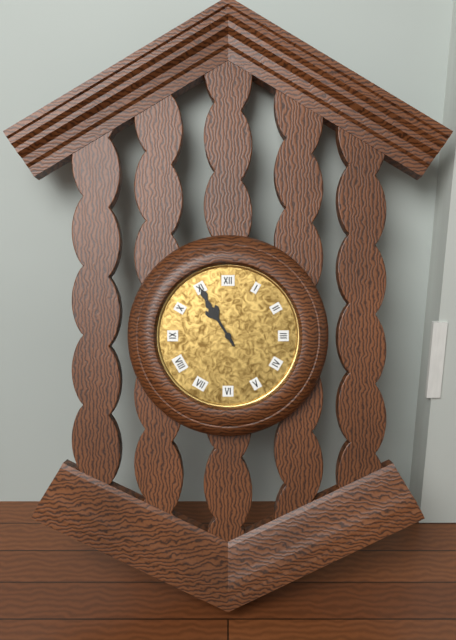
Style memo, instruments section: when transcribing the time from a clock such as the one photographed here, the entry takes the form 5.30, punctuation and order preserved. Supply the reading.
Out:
10.55
